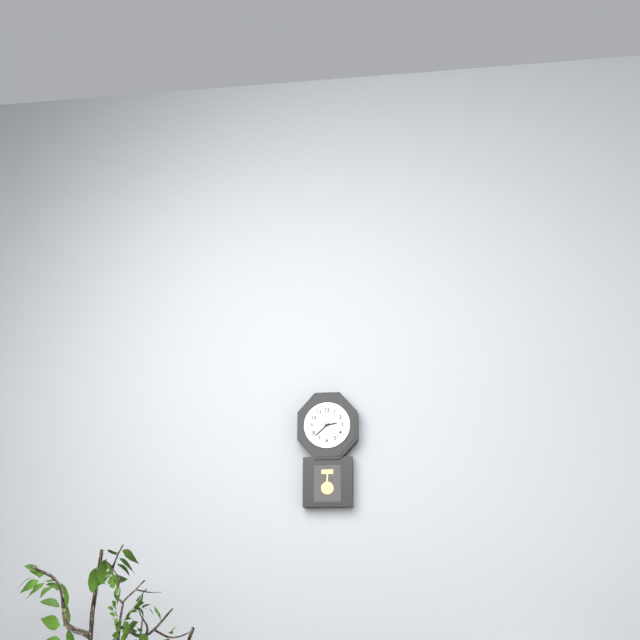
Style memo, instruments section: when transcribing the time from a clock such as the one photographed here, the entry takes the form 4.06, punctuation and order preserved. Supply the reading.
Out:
2.38
